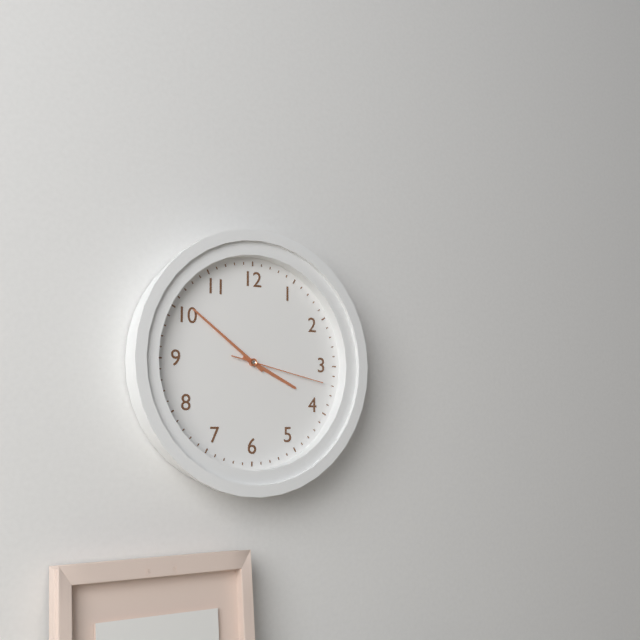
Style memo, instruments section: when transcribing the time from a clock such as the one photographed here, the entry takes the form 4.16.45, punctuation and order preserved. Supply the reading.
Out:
3.51.17
